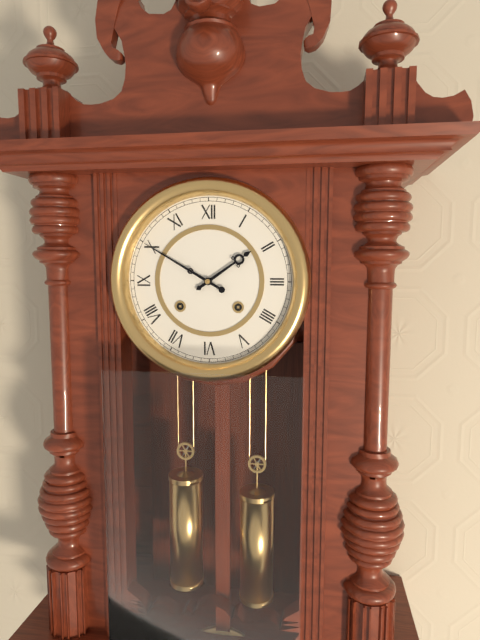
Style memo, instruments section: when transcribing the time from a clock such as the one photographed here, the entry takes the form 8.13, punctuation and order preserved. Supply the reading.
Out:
1.50
